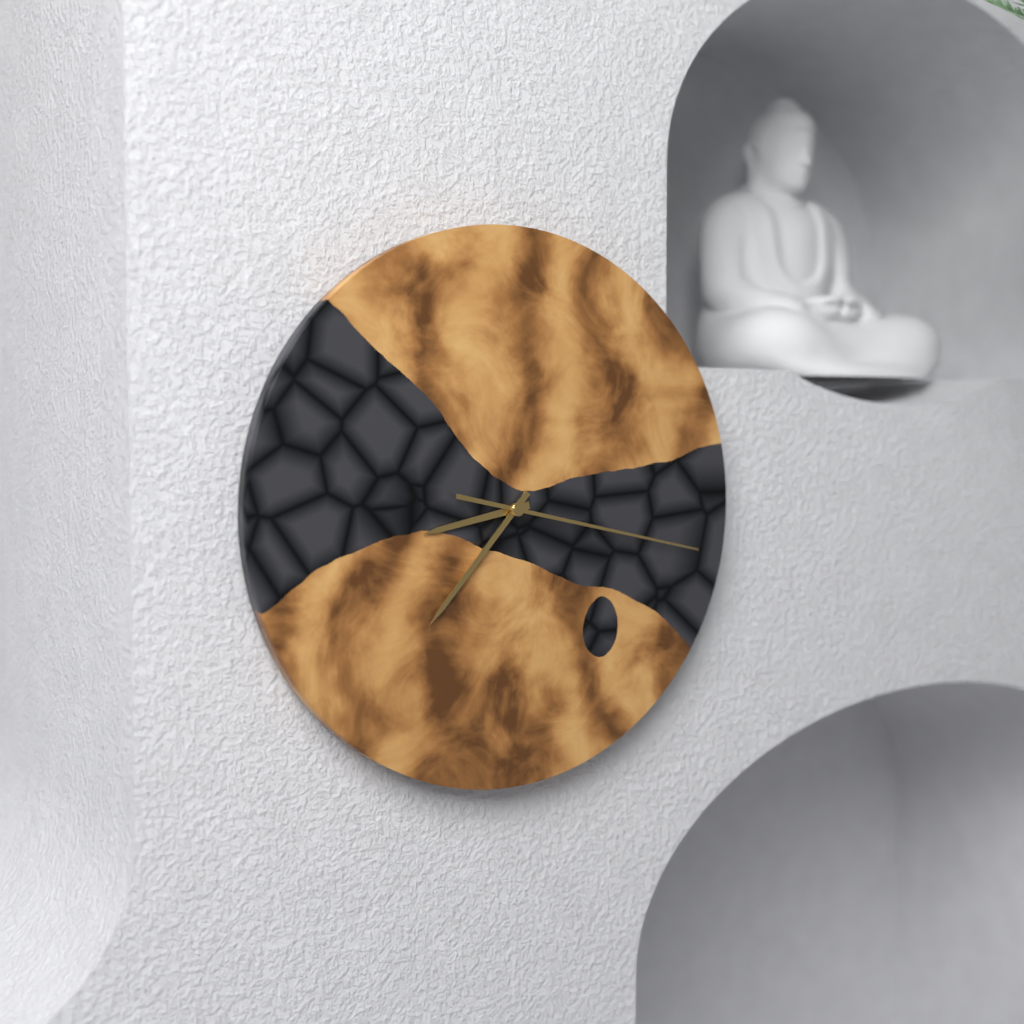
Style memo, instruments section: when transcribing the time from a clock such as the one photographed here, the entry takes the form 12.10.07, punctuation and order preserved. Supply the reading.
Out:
8.37.17
